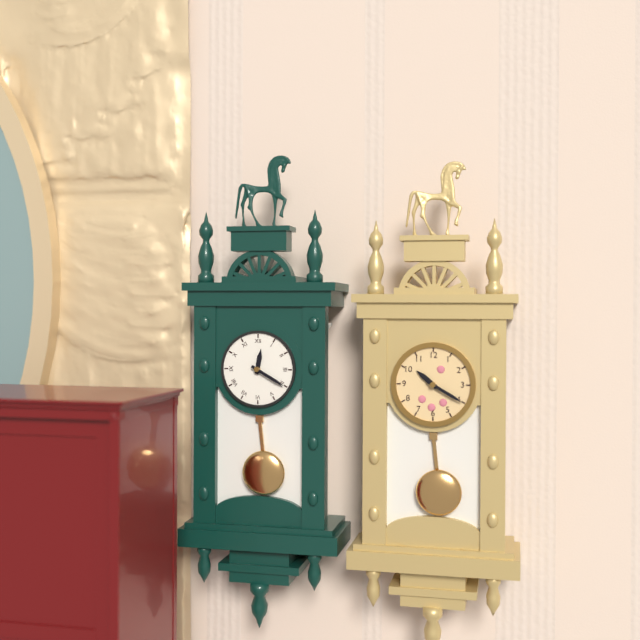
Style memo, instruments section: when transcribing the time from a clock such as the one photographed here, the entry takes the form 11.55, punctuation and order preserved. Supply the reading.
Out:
12.20
